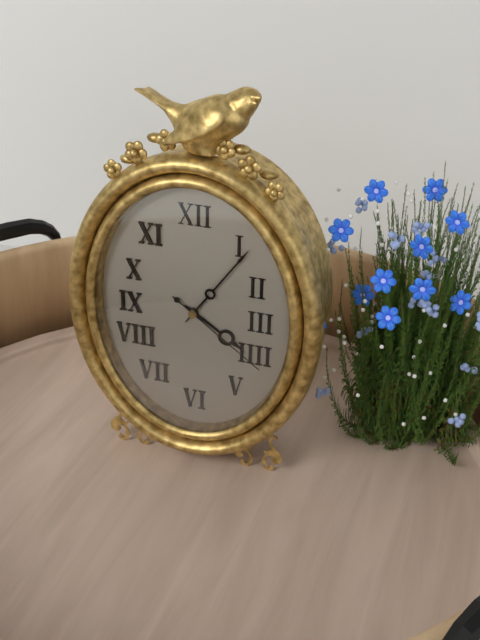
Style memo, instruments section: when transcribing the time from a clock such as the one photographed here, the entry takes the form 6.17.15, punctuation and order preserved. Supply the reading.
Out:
4.06.21
